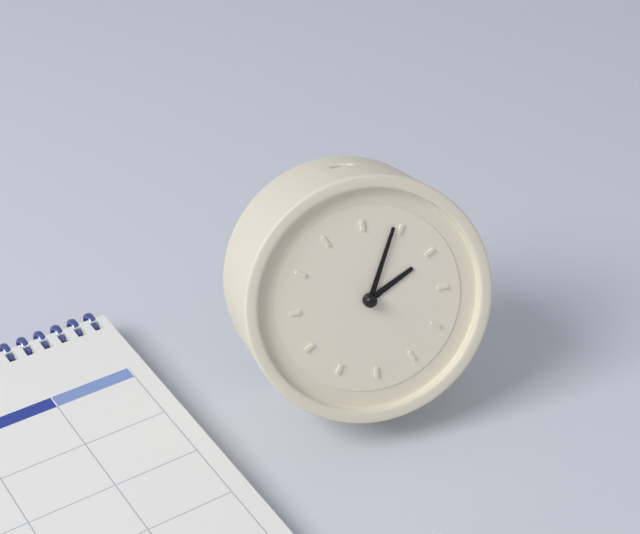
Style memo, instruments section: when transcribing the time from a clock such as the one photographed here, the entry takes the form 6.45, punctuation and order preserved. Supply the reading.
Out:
2.04
